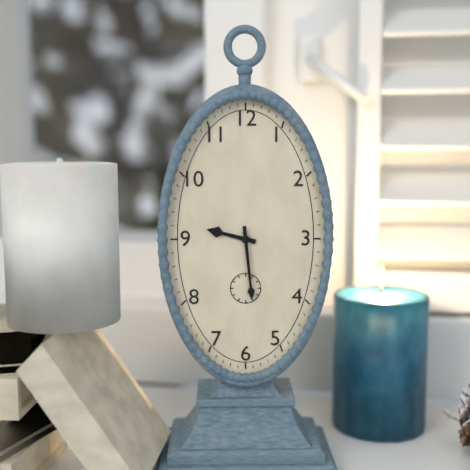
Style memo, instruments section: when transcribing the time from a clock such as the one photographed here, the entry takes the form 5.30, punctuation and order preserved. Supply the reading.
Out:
9.29
